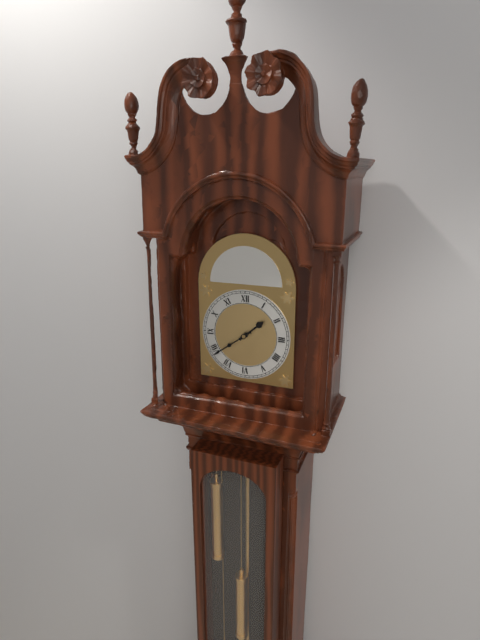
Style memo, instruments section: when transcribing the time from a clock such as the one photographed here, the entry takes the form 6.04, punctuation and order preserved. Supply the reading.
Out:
1.39
